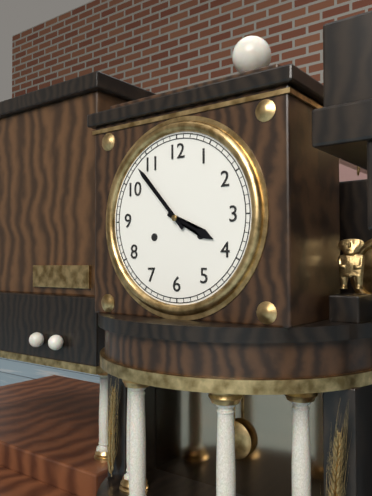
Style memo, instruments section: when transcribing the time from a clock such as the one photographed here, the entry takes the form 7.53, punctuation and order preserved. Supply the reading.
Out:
3.53
